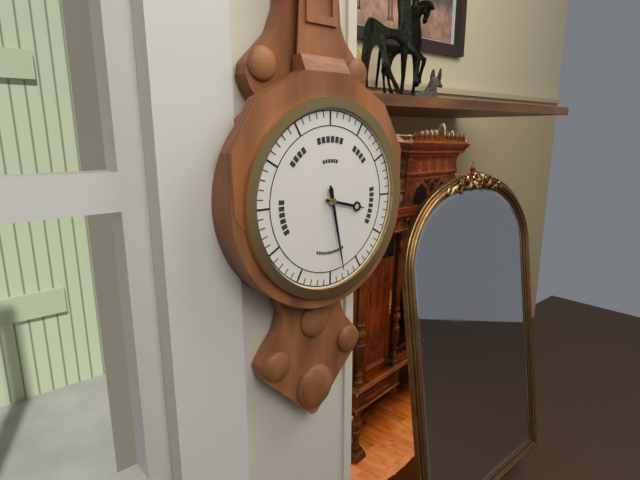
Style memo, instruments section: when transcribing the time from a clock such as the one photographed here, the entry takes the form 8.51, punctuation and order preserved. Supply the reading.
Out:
3.28
